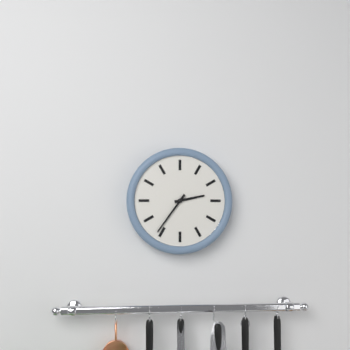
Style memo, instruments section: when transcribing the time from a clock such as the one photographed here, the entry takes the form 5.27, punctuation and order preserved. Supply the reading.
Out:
2.36
